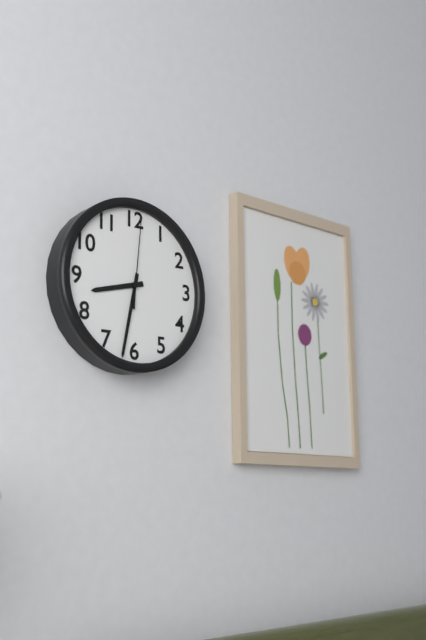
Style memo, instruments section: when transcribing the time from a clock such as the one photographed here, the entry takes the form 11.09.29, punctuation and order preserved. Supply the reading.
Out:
8.32.01
